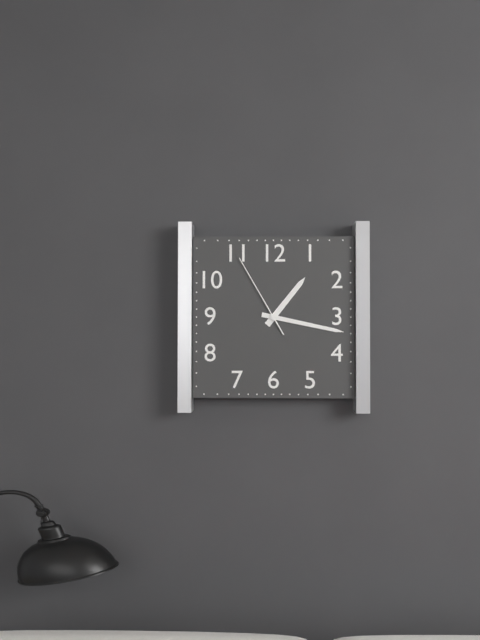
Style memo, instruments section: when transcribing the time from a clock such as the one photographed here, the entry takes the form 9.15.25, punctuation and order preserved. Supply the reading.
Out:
1.17.55
